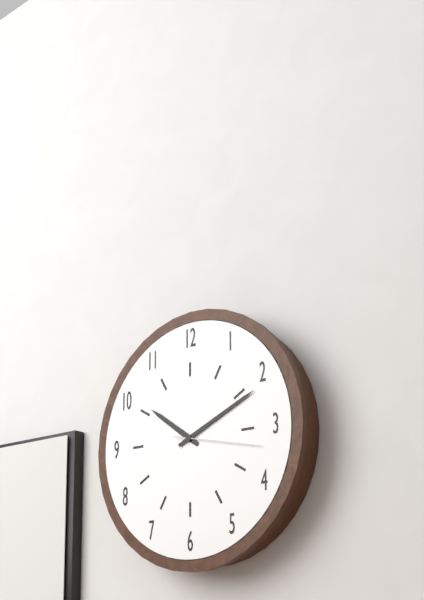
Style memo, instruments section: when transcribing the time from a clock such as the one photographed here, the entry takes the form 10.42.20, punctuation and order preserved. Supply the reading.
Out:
10.11.17
